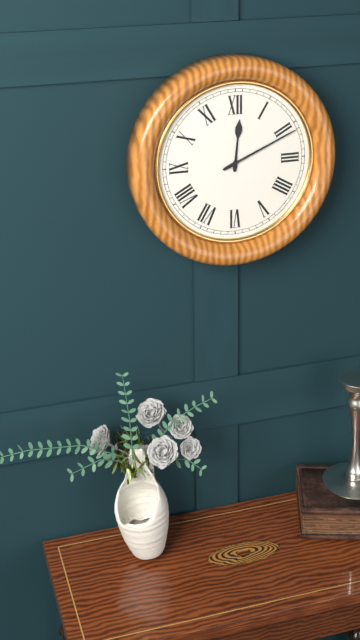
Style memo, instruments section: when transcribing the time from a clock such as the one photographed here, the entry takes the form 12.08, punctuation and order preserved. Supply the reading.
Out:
12.11
